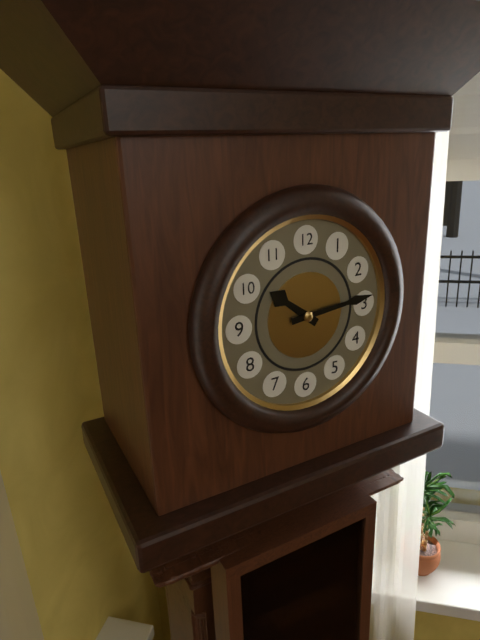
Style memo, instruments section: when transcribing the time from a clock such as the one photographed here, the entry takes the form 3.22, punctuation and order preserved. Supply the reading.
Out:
10.14
